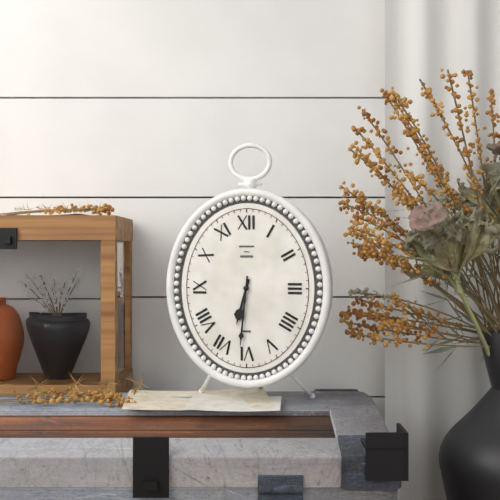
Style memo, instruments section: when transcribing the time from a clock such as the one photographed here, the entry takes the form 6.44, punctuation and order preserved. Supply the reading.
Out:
6.31
